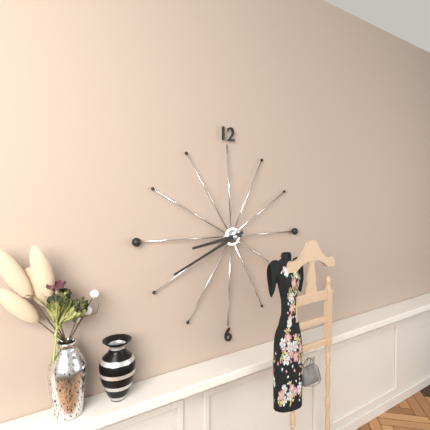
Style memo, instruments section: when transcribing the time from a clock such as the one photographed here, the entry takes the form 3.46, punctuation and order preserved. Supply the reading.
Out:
8.41
